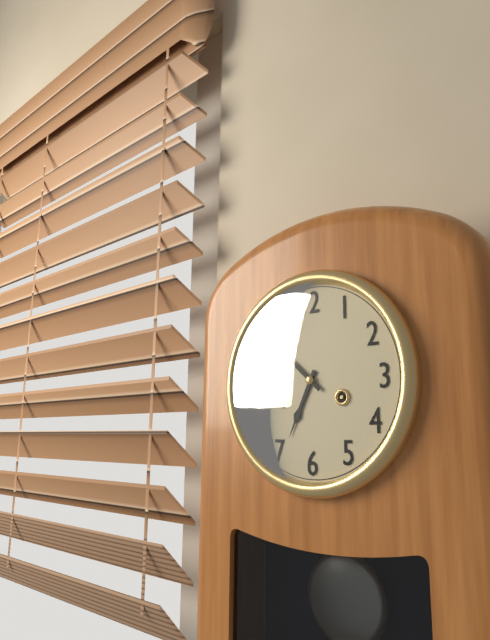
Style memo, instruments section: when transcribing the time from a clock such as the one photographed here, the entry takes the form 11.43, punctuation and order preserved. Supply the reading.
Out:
6.52
